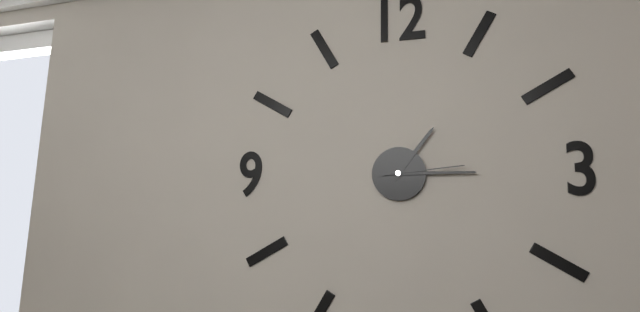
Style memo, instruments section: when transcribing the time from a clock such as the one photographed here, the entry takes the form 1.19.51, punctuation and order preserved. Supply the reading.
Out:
1.15.14
